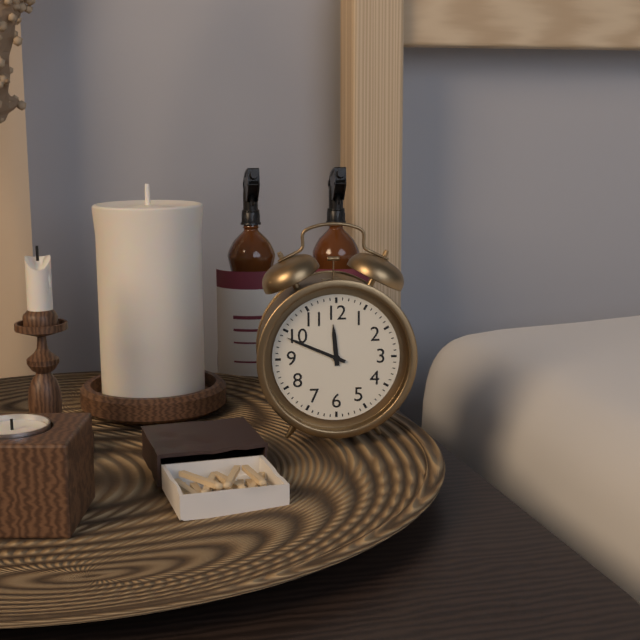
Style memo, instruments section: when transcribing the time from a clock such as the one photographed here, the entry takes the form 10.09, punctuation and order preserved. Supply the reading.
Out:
11.49
